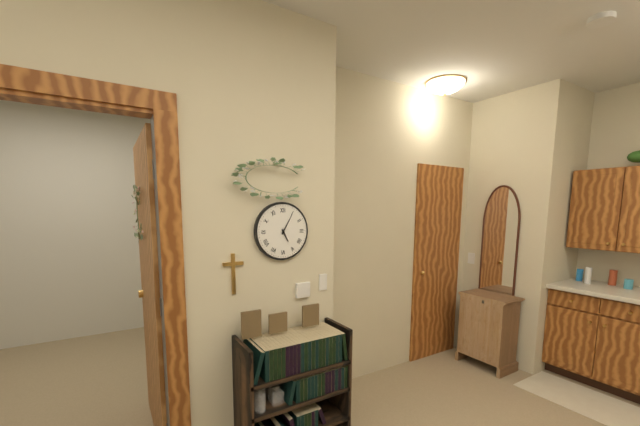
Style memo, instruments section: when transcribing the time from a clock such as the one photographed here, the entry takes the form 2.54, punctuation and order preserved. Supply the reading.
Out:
5.05
